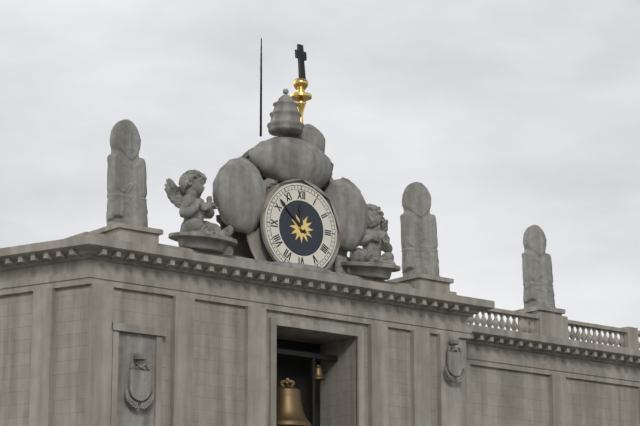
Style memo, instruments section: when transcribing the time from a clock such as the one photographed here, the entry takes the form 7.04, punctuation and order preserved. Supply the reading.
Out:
11.52
